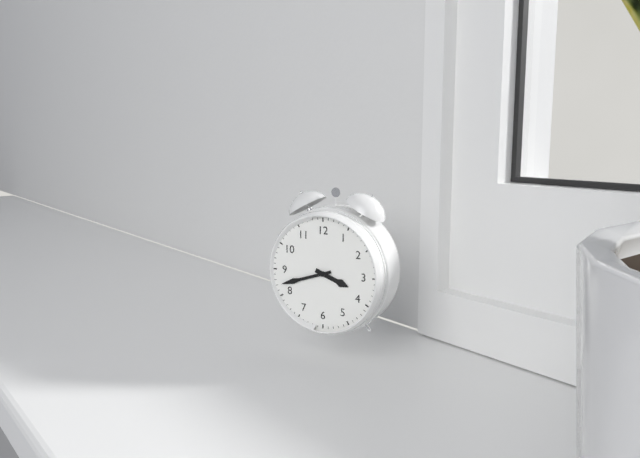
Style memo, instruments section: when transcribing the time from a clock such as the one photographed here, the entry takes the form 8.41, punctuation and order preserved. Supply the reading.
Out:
3.42
